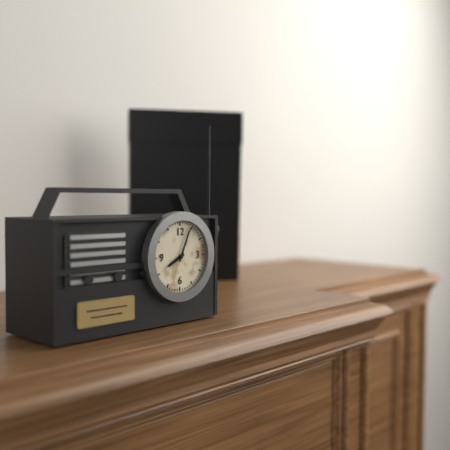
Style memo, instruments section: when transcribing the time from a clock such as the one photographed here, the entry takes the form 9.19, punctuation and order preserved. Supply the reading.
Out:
8.04
